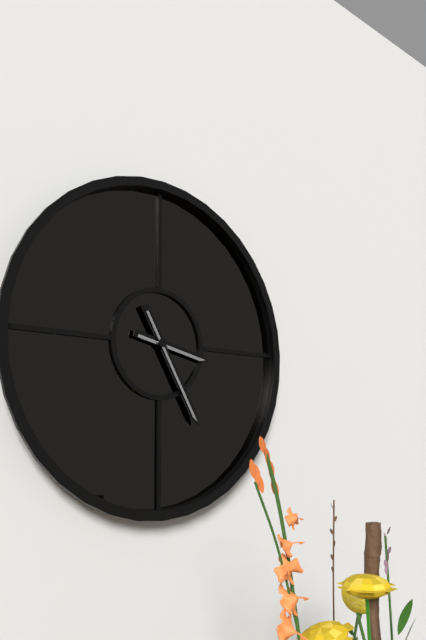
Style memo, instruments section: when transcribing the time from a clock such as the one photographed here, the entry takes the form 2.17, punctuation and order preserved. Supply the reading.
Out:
3.25
